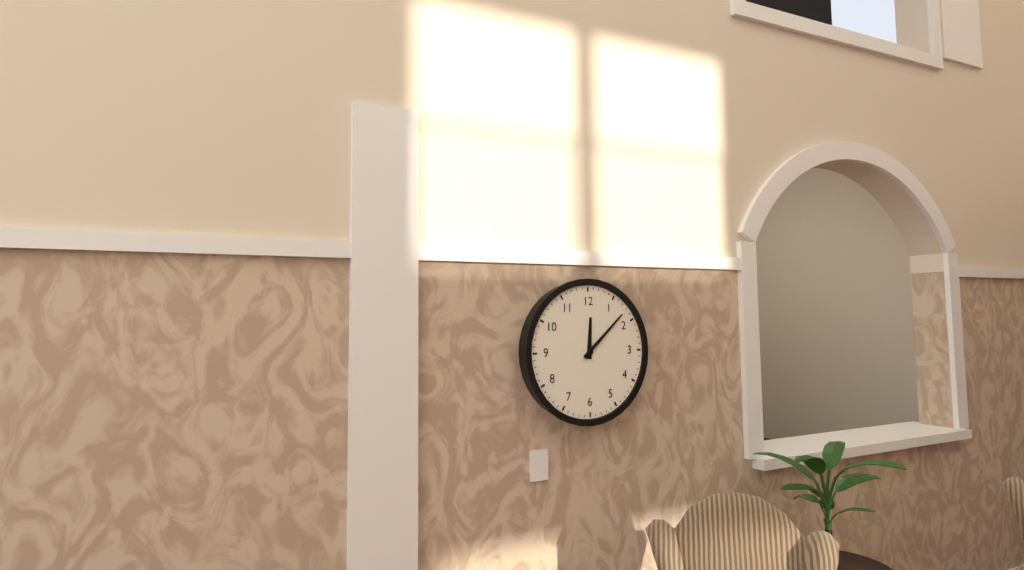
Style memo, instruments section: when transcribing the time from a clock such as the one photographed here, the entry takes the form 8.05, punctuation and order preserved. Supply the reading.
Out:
12.08
